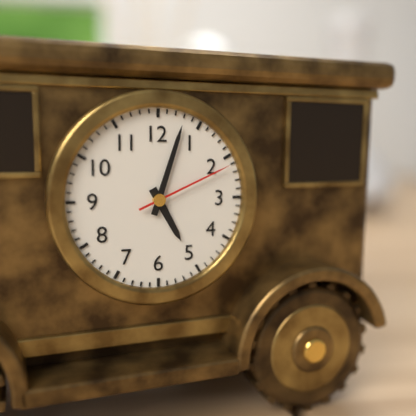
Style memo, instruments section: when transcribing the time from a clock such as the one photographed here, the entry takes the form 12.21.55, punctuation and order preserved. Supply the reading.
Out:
5.03.11
